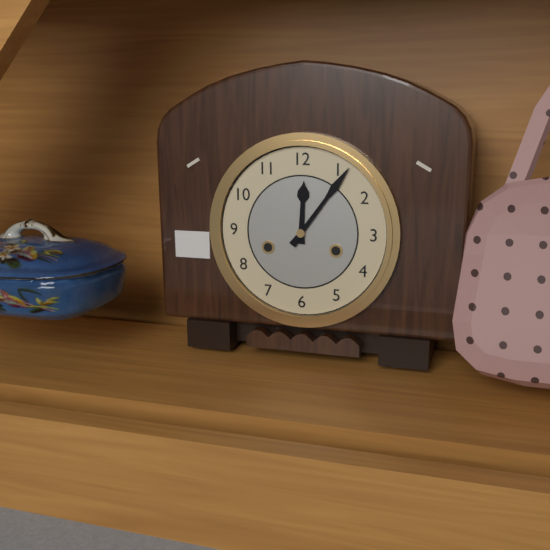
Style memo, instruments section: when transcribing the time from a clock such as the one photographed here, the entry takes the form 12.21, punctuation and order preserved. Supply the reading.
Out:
12.06
